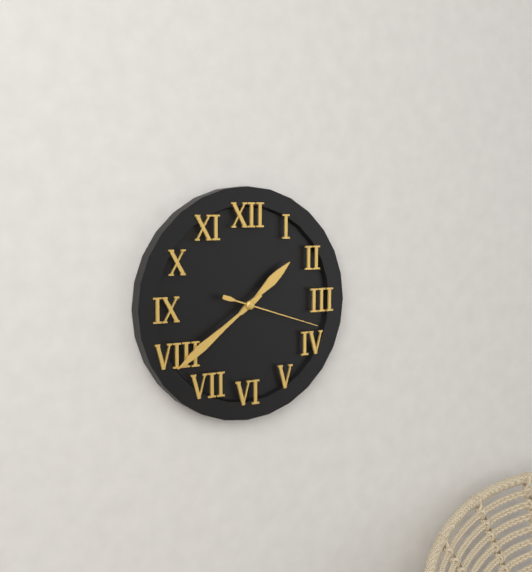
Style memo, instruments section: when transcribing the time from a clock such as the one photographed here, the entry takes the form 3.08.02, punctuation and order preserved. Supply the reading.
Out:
1.39.18
